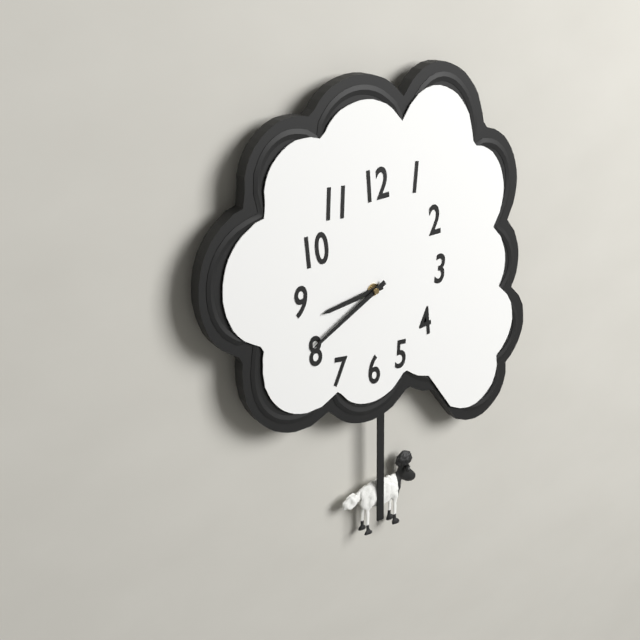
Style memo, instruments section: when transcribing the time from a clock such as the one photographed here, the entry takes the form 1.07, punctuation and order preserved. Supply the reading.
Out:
8.40
